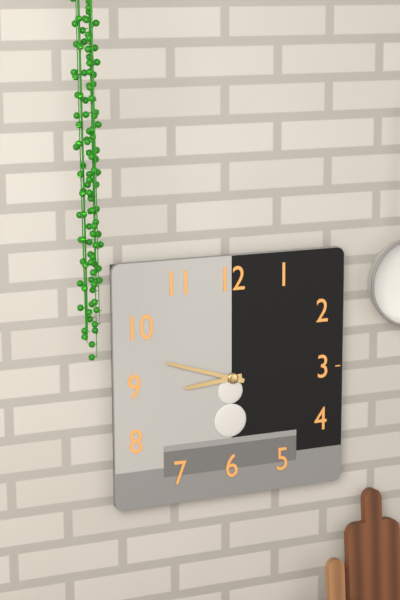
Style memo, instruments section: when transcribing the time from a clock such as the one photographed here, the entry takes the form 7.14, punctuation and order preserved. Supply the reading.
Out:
8.48
